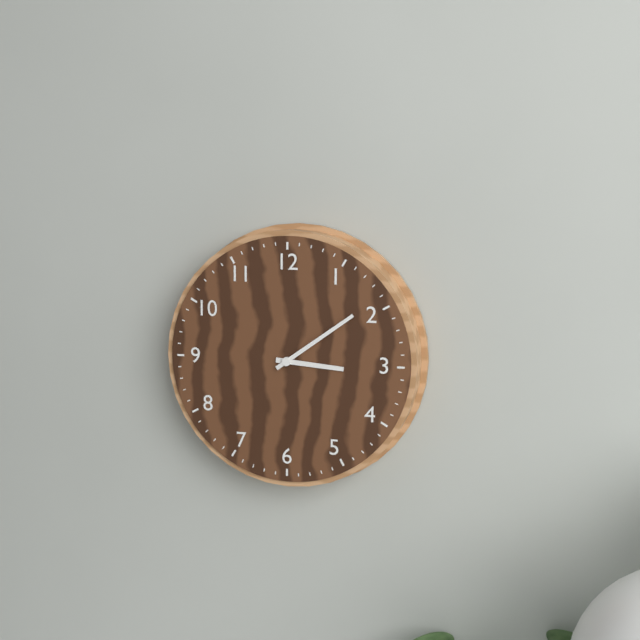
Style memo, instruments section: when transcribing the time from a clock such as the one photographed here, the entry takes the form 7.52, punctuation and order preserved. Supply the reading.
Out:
3.09
